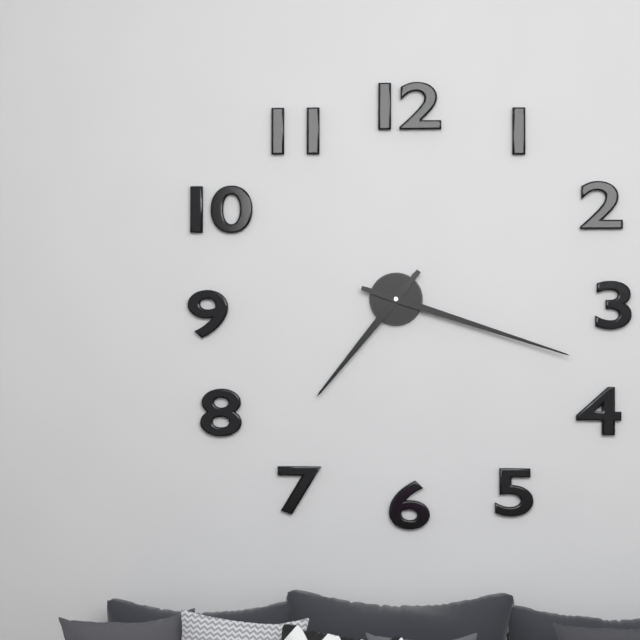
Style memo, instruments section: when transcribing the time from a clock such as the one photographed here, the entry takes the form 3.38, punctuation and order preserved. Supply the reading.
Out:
7.18
